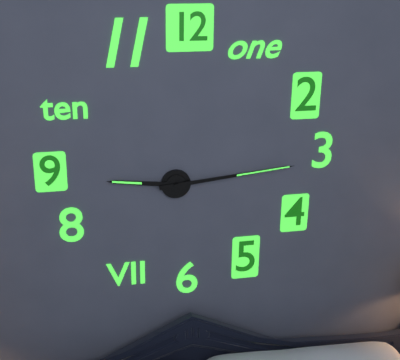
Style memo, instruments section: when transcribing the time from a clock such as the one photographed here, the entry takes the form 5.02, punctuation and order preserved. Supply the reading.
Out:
9.14
